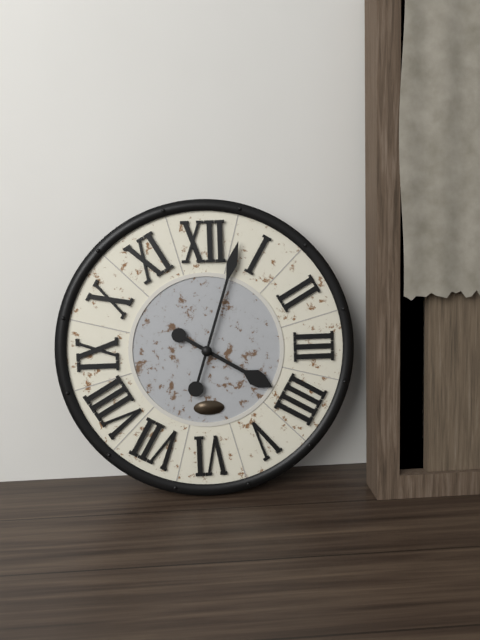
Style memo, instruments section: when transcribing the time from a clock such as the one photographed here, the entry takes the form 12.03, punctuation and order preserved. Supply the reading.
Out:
4.03
